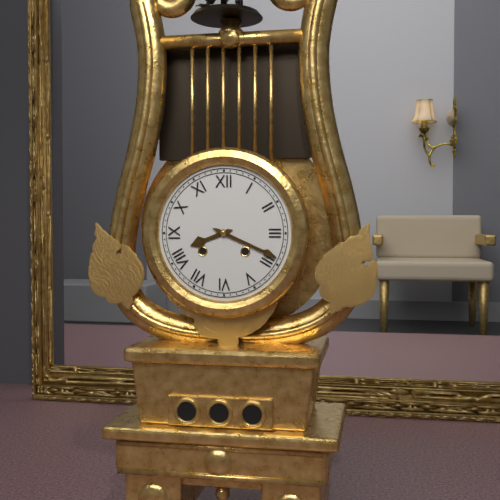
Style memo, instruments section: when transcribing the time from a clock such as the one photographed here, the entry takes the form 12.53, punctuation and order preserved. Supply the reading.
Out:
8.19
